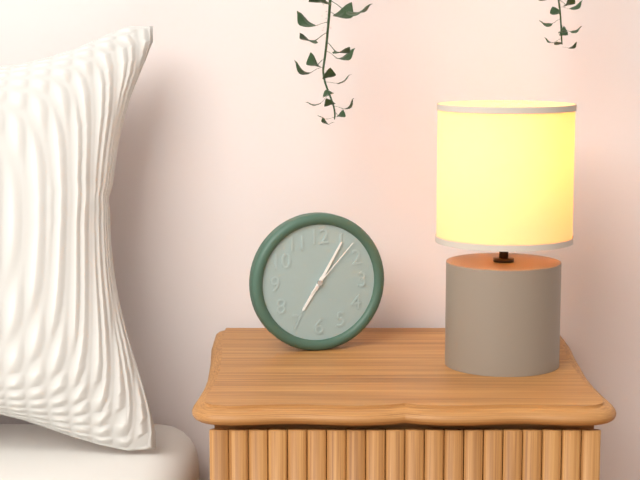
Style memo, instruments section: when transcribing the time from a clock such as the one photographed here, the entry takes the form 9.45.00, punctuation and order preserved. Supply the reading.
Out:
7.05.07
